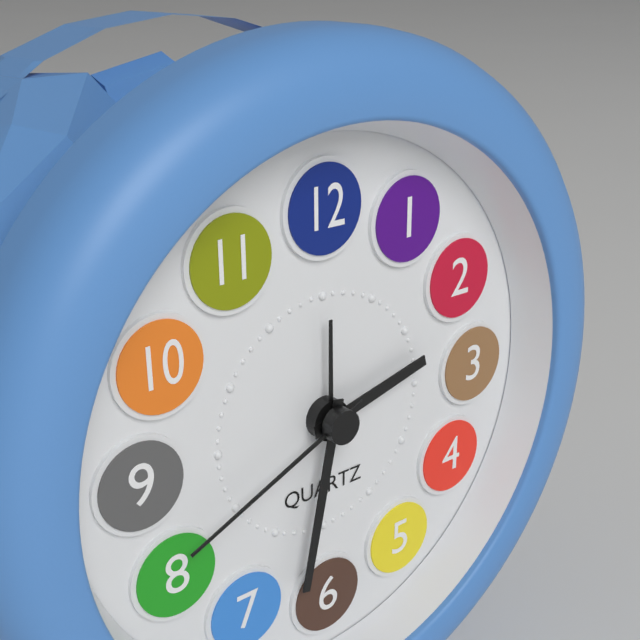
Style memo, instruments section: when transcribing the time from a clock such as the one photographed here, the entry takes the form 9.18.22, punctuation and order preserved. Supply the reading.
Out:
2.32.41
